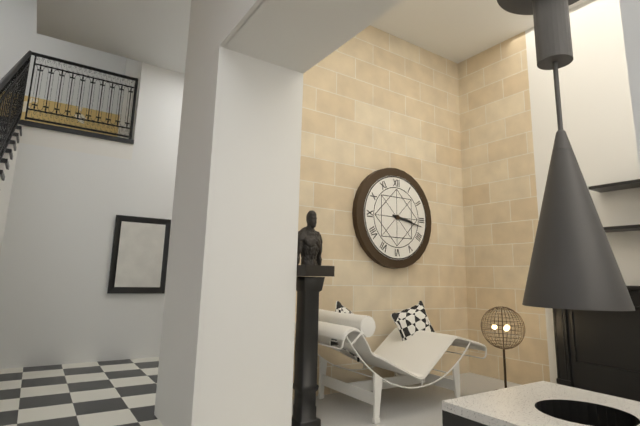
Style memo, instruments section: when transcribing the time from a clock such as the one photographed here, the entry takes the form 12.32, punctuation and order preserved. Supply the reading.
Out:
3.17
